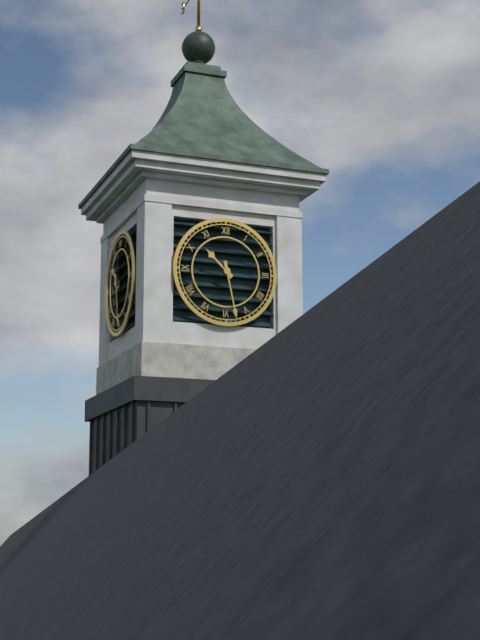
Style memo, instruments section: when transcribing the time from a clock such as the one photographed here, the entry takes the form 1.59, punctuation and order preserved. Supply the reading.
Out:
10.28
